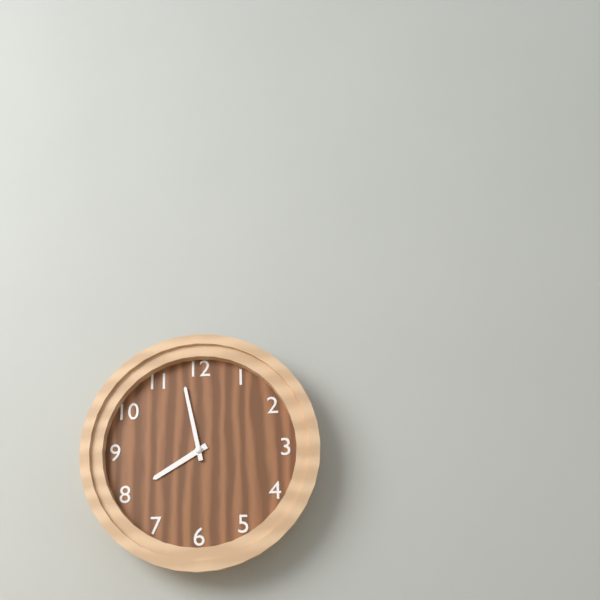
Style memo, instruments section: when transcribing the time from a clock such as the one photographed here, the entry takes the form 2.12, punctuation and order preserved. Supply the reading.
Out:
7.58
